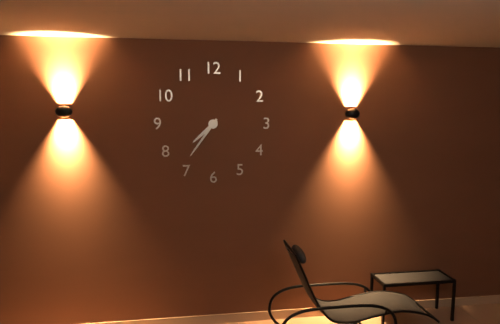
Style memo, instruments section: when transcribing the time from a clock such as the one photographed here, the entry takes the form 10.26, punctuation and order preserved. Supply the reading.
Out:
7.36
